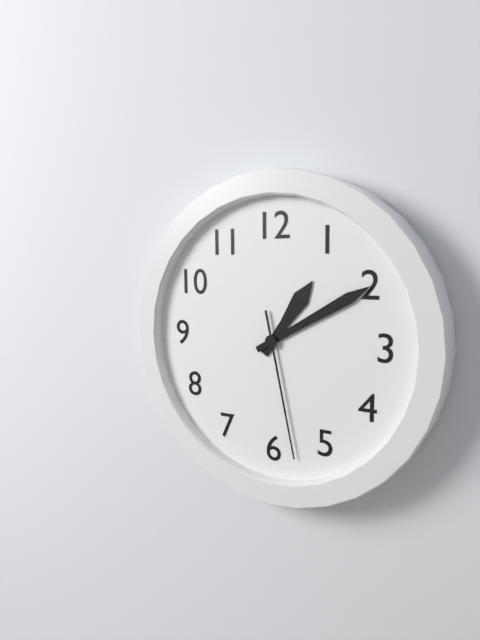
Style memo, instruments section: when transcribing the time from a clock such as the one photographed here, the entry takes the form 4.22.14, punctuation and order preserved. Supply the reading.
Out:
1.10.28
